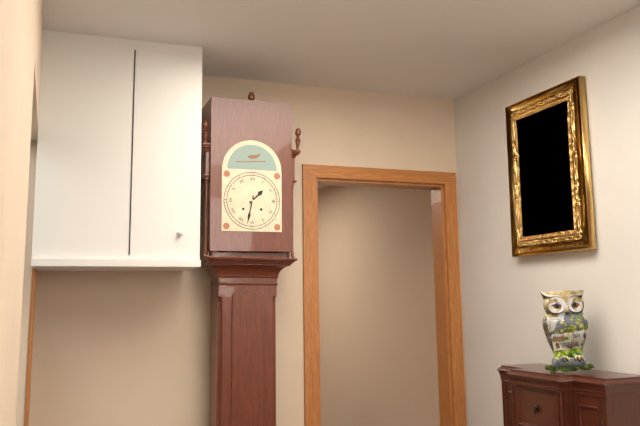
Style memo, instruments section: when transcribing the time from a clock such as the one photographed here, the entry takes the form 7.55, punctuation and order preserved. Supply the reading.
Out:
1.32
